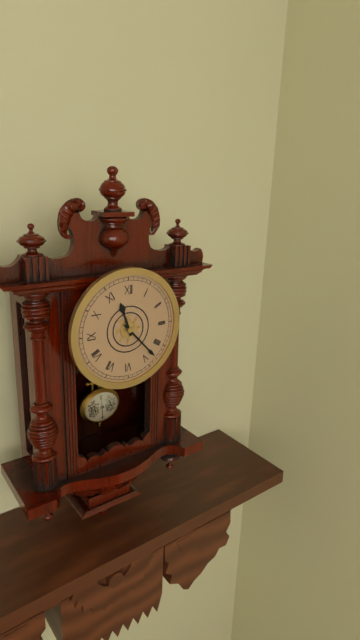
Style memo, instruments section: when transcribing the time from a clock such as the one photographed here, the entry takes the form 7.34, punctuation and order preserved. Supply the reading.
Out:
11.23
